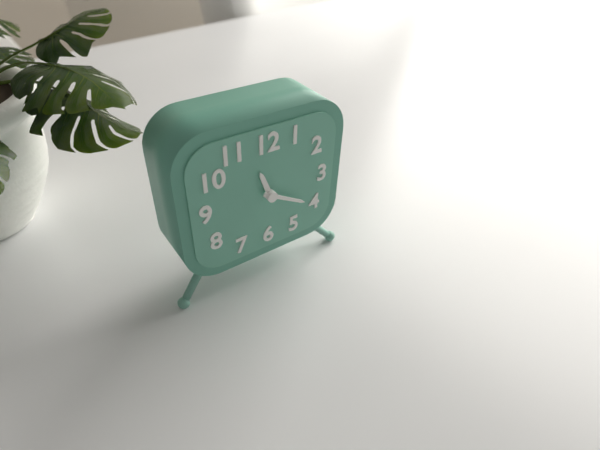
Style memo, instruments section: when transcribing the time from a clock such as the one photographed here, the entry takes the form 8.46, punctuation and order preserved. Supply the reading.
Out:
11.20
